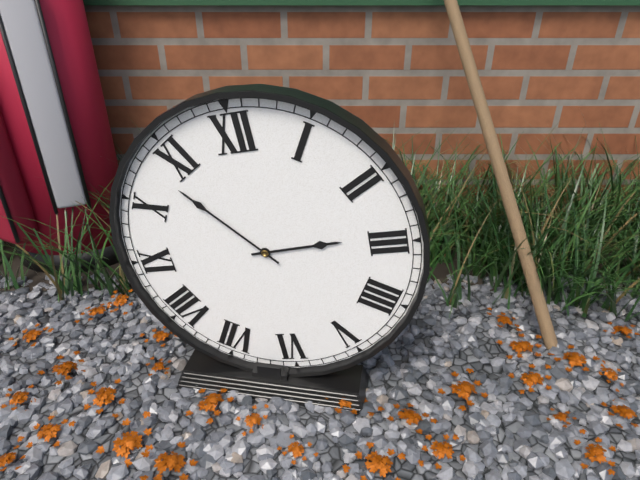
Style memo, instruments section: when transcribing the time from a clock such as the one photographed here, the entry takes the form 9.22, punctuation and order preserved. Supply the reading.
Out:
2.53
